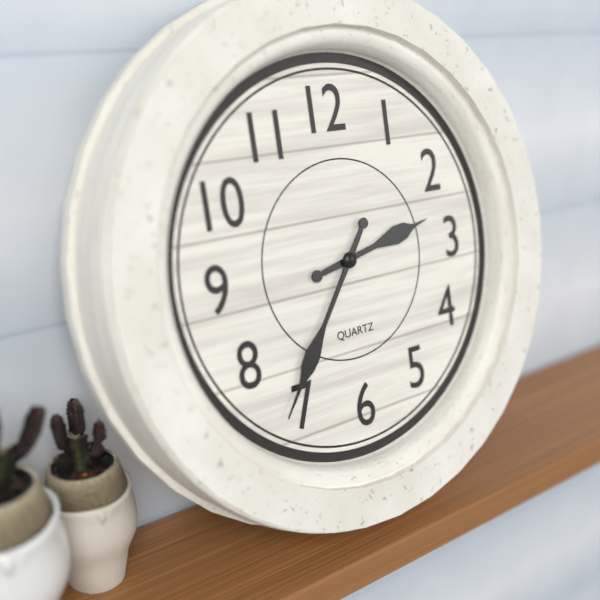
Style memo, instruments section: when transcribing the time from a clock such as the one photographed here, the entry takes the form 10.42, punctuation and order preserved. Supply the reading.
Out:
2.36
